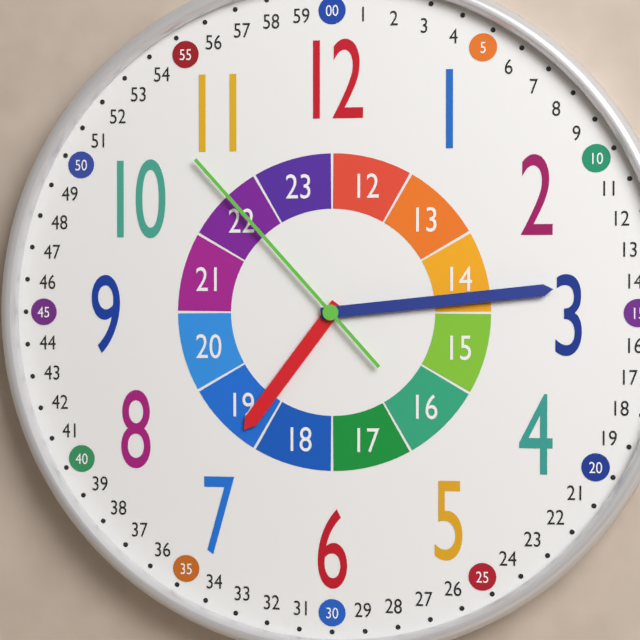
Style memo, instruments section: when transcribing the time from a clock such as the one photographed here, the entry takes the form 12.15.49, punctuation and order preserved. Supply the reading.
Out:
7.14.53
